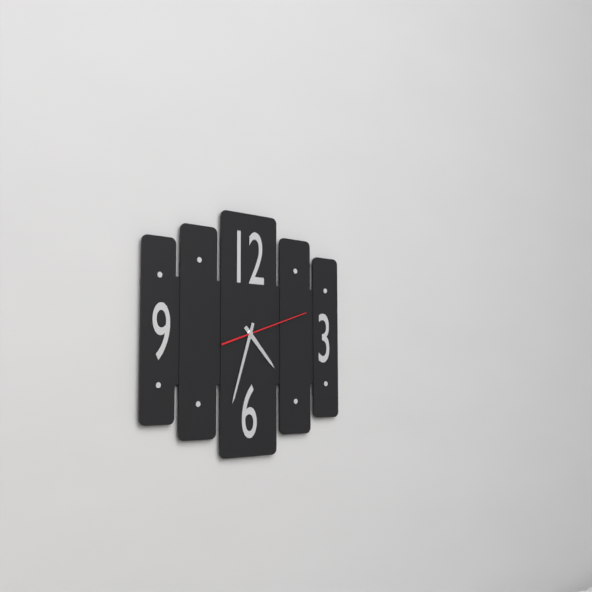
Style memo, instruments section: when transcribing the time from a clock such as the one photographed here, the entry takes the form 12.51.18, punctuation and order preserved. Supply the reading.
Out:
4.33.12
